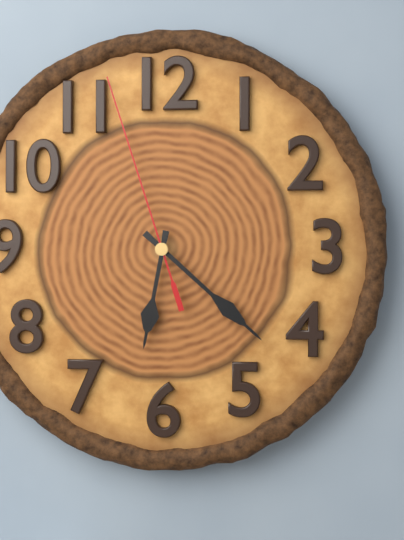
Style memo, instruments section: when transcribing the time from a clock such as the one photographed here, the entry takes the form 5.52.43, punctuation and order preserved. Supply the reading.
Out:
6.22.57
